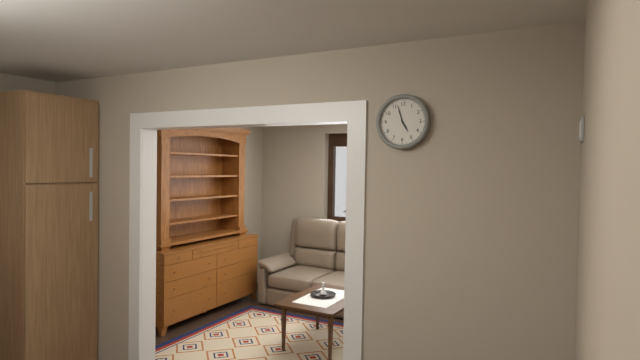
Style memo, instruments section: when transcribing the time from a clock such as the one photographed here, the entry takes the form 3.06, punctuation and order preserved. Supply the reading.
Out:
4.57
